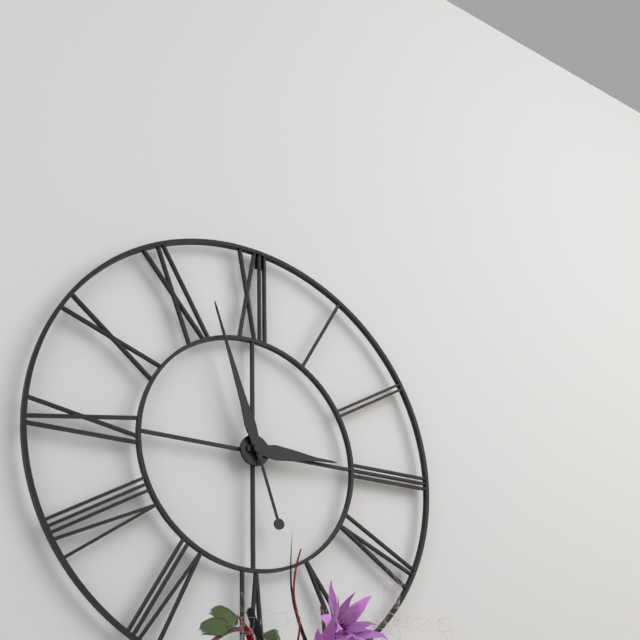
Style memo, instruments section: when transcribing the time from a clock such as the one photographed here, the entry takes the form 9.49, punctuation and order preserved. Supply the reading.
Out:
2.57
